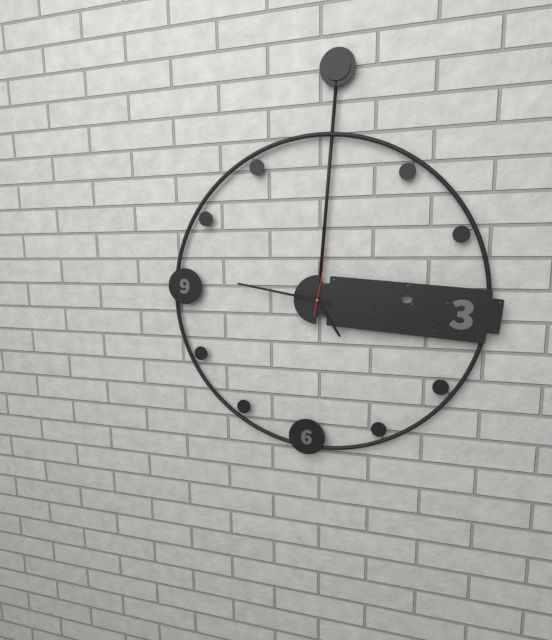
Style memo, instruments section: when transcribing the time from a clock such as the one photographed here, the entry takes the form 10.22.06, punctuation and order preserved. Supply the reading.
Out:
4.46.01
